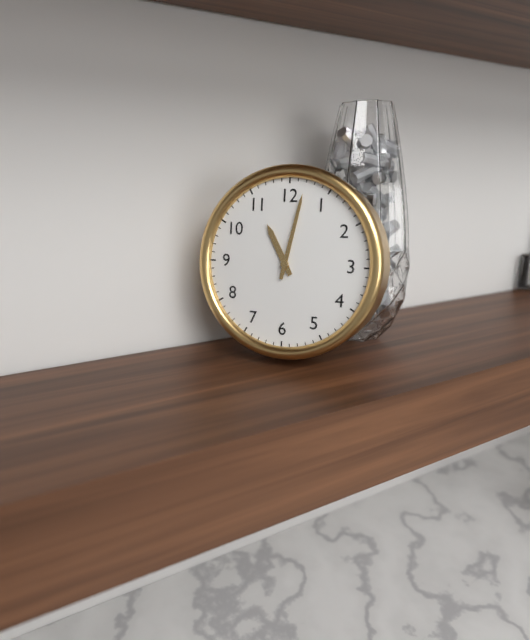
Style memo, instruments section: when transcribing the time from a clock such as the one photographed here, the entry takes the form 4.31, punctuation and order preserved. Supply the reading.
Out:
11.02
